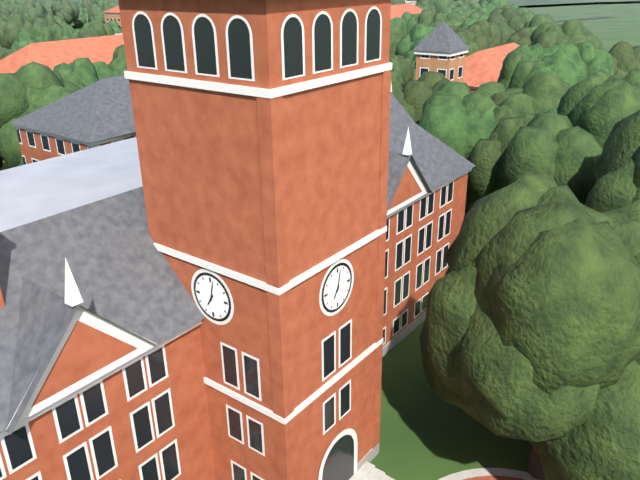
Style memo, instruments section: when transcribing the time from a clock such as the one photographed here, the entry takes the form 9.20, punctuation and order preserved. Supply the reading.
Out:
7.02
